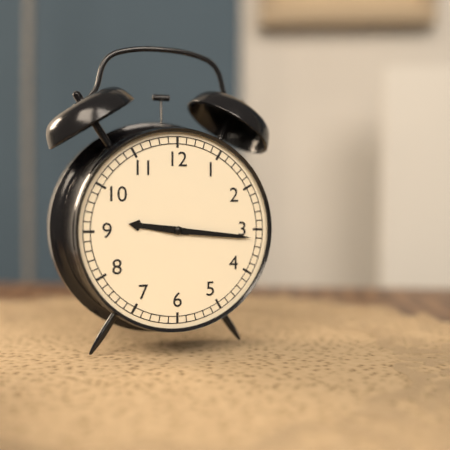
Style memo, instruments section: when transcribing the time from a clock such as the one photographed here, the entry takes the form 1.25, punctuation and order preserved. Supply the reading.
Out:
9.16
